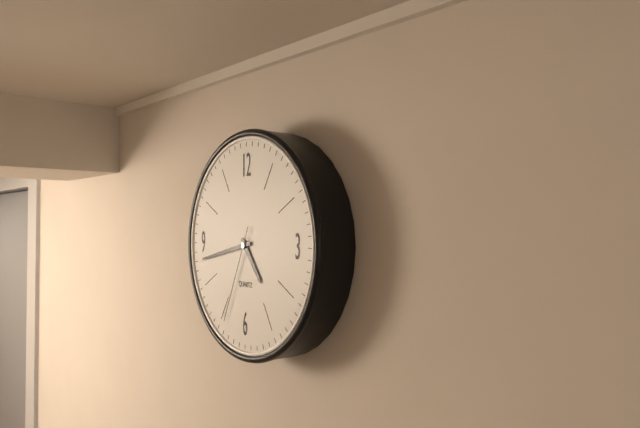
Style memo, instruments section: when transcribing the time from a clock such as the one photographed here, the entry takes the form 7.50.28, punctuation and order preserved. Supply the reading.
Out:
4.43.34
